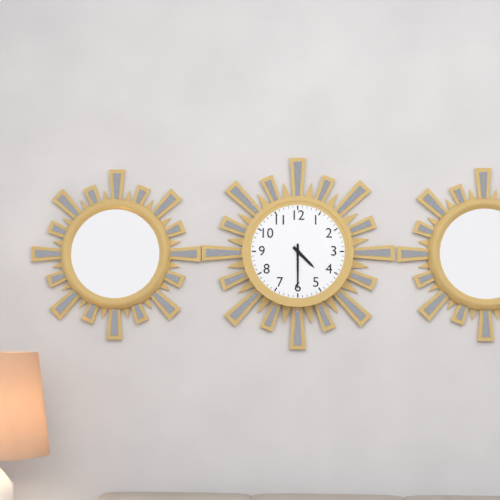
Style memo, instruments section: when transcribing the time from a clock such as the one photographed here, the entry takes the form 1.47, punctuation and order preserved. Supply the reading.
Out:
4.30
